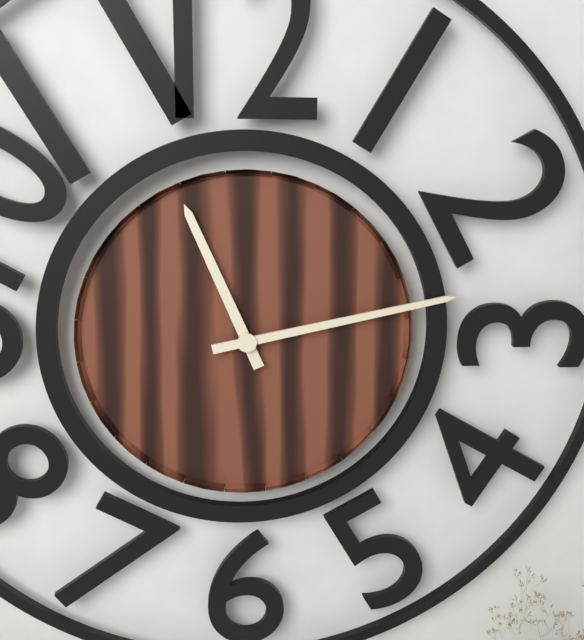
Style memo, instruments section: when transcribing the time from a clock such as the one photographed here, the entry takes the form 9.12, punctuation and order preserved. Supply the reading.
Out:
11.13
